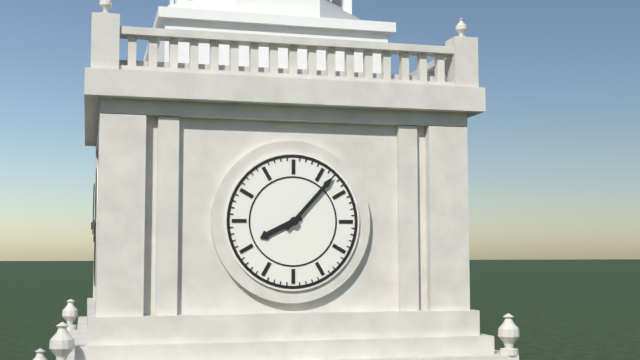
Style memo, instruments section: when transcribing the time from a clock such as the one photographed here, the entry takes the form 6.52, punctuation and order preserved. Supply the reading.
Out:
8.07
